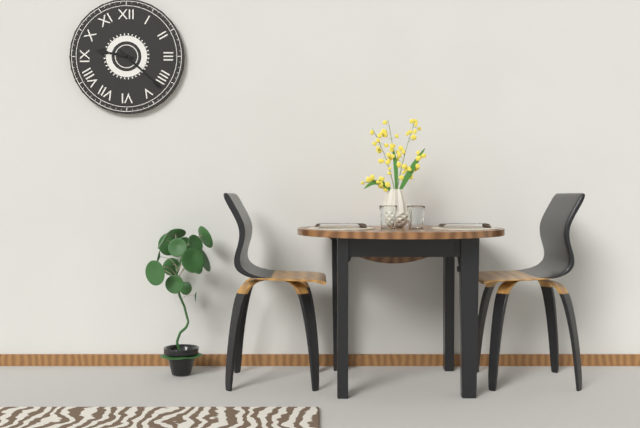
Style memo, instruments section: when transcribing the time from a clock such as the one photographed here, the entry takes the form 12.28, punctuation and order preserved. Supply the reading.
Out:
9.22
